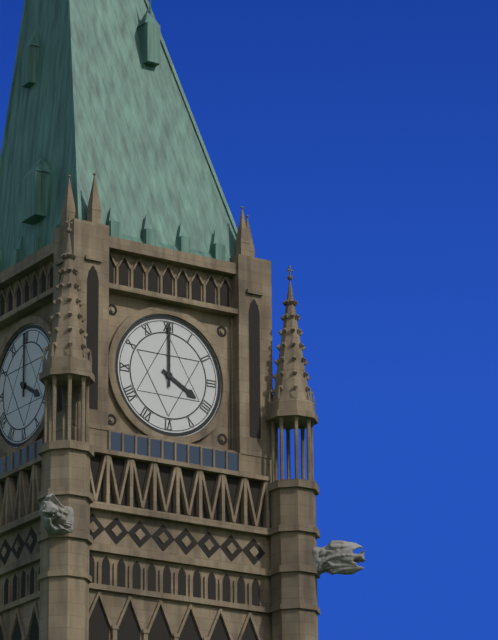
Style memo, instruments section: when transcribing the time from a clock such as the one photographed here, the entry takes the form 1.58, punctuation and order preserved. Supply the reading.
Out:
4.00
